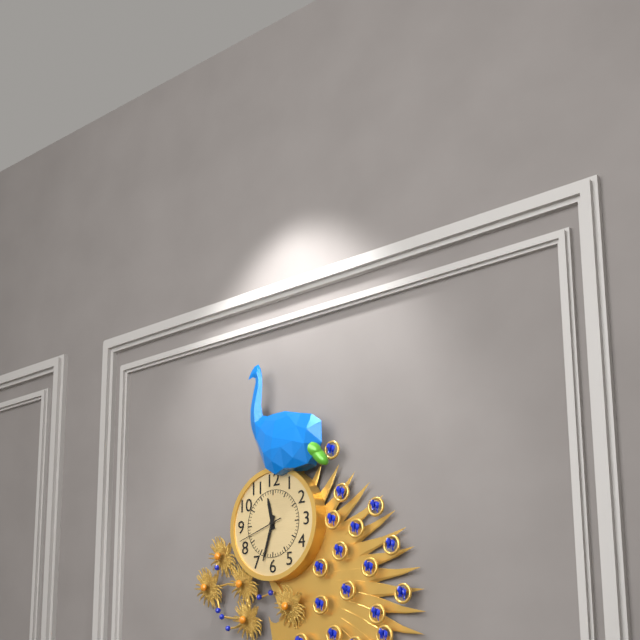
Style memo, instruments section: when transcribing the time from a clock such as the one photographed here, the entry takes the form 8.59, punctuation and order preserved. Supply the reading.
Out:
11.33
